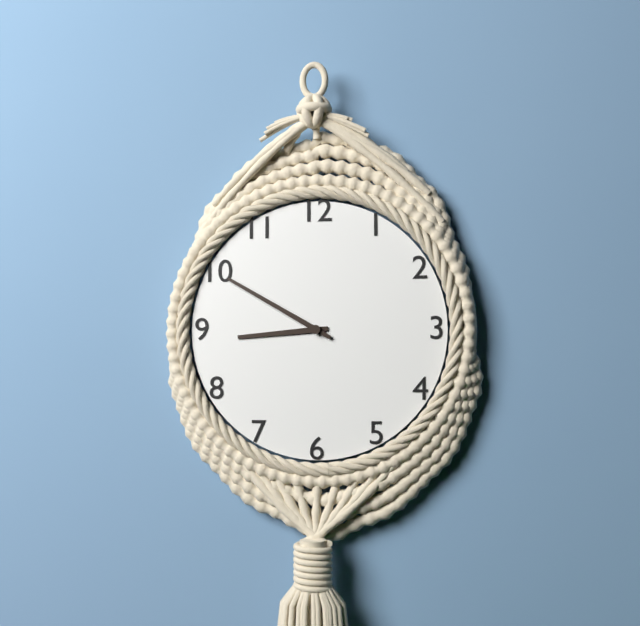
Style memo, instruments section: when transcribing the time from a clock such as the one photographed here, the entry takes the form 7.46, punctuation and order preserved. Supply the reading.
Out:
8.50
